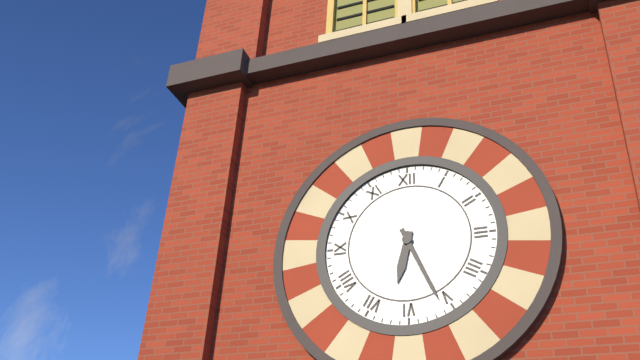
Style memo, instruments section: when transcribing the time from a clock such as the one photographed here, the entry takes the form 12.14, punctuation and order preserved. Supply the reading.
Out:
6.26
